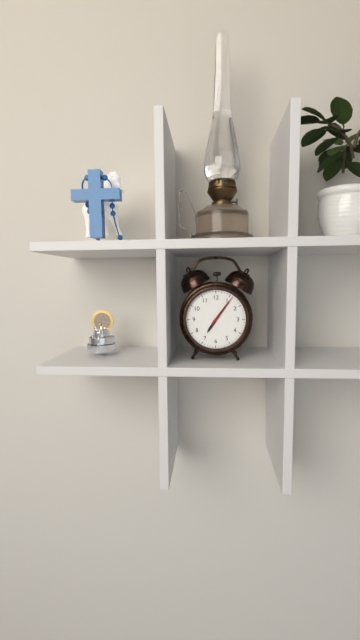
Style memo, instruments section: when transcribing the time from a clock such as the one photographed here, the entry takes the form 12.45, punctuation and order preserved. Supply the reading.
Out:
7.06
